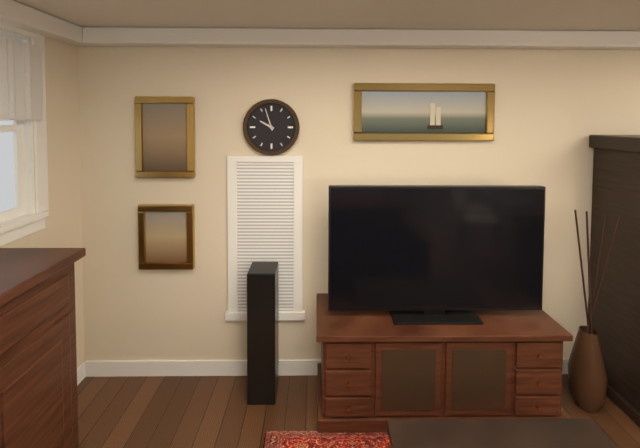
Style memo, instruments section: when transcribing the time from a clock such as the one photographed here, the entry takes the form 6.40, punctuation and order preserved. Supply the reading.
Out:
9.57
